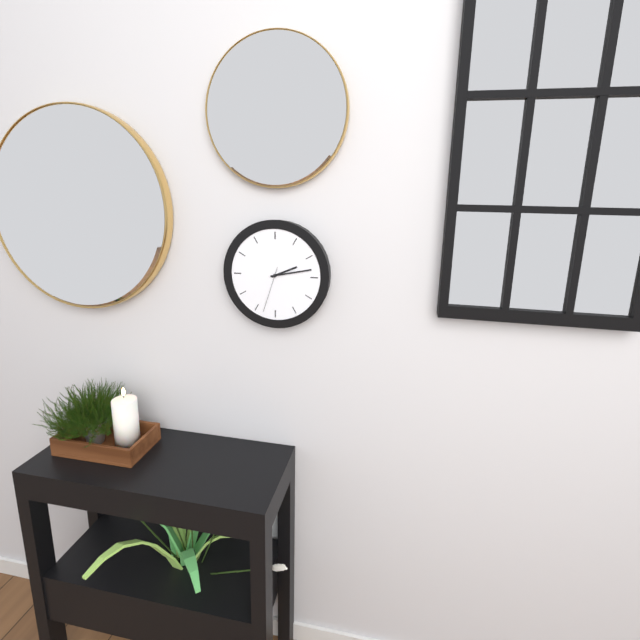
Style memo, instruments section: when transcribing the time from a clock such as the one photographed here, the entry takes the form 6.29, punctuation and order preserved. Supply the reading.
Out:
2.13
